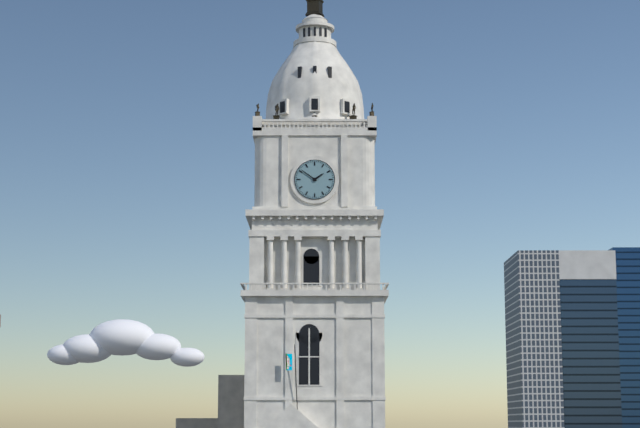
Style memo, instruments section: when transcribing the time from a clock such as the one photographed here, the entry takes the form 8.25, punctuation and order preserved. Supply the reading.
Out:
1.51
